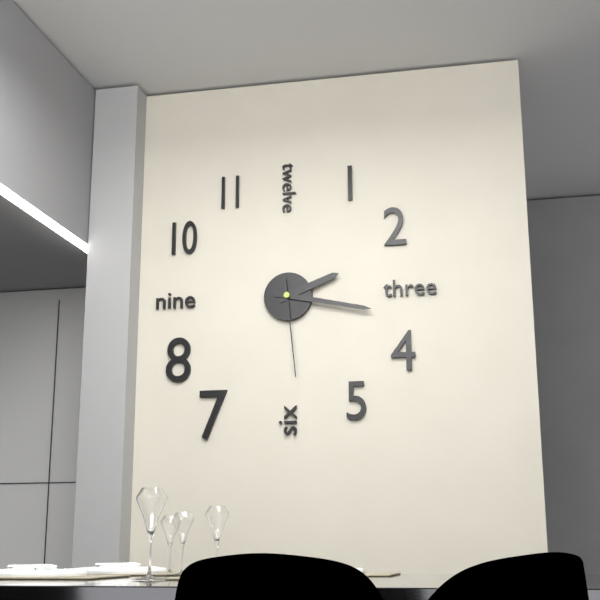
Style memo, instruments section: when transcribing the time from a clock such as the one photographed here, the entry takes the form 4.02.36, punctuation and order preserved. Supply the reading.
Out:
2.17.29
